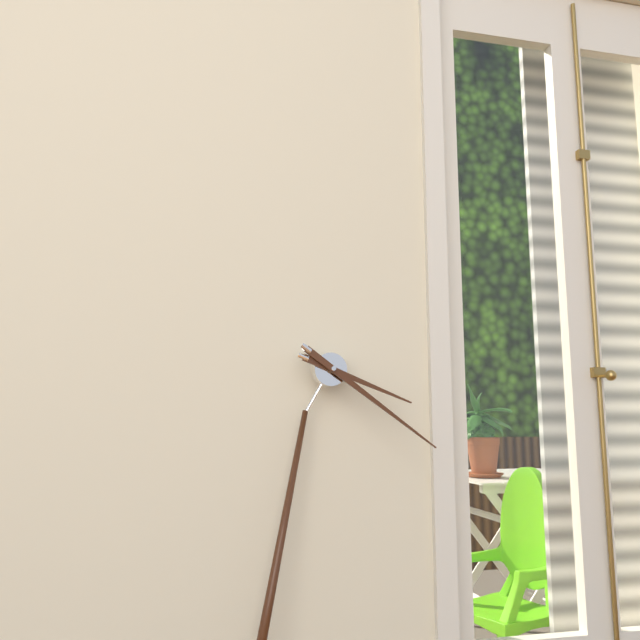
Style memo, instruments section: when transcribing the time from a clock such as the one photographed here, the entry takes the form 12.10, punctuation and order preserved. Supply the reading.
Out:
3.19
